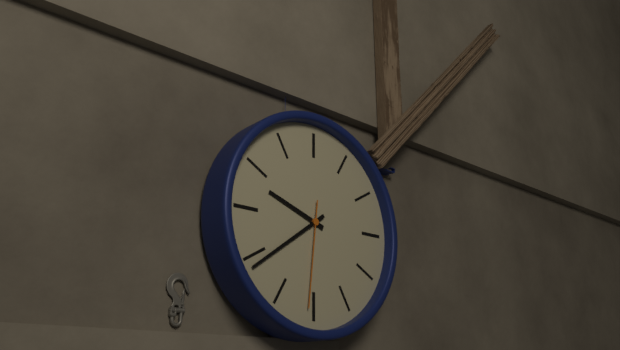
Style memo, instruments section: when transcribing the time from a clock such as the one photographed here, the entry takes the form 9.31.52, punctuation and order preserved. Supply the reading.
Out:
9.39.31
